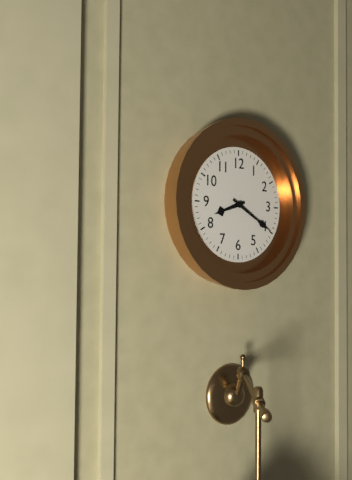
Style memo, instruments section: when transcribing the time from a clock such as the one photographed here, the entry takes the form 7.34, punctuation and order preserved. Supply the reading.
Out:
8.20
